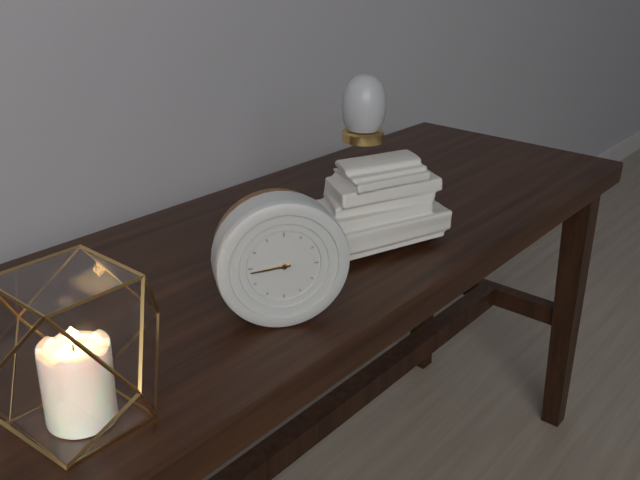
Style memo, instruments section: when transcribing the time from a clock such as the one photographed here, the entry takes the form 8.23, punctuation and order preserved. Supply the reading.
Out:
8.44
